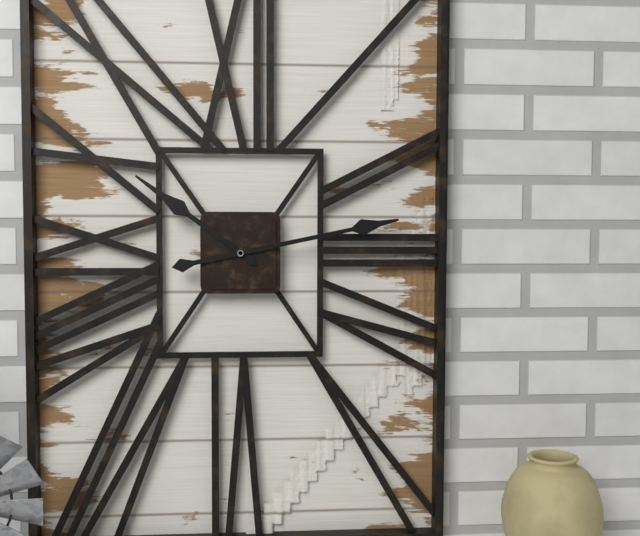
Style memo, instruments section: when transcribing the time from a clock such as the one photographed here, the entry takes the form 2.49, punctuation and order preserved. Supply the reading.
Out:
10.13
